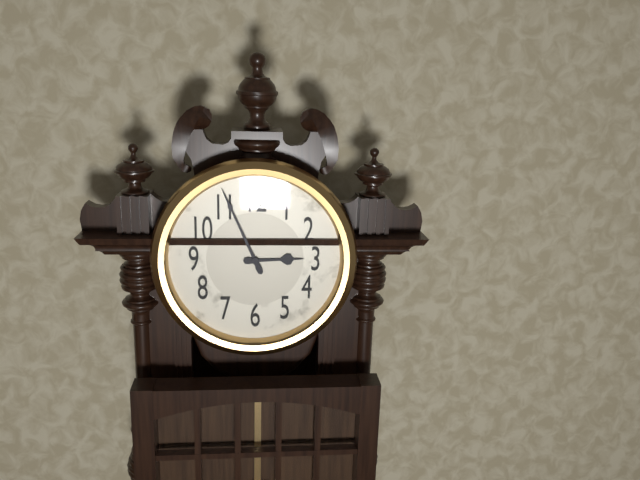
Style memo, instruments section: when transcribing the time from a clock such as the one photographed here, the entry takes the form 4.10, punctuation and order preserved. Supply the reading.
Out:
2.56
